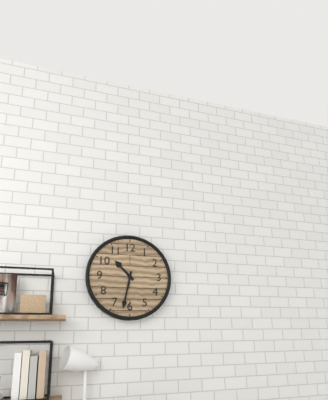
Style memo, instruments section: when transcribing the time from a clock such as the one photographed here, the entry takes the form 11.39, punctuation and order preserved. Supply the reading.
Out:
10.32
